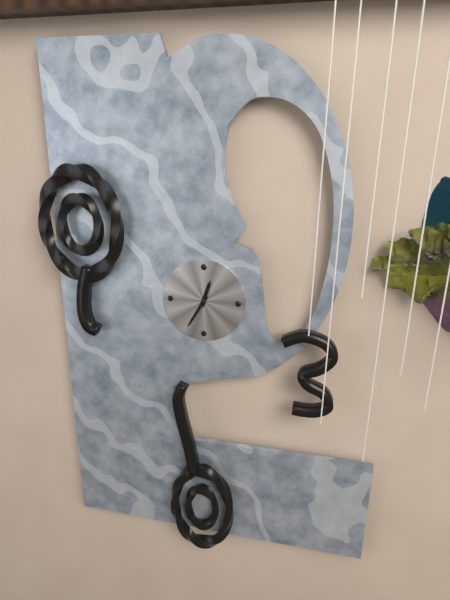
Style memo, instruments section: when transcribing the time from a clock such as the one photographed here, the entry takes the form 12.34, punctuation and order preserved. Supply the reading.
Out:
12.35
